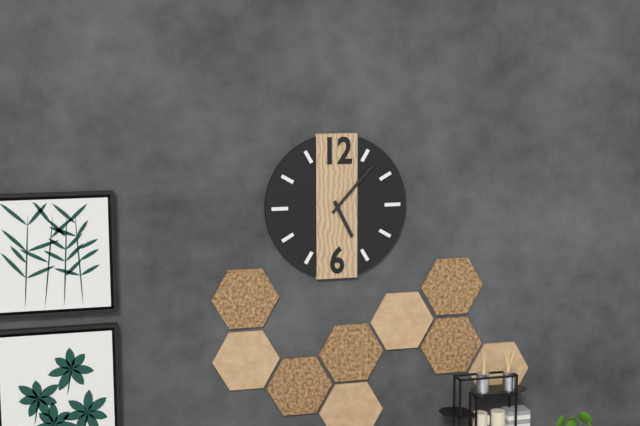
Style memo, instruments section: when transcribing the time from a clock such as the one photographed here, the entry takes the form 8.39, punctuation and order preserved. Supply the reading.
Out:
5.07
